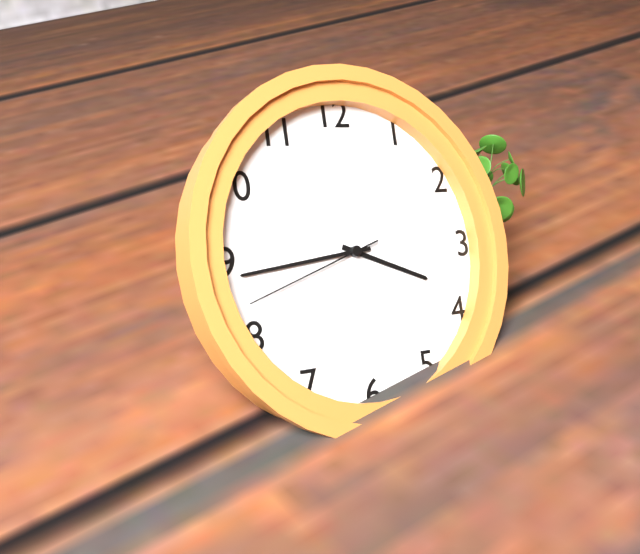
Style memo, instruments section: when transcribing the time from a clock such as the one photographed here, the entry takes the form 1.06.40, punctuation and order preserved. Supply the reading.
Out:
3.44.42
